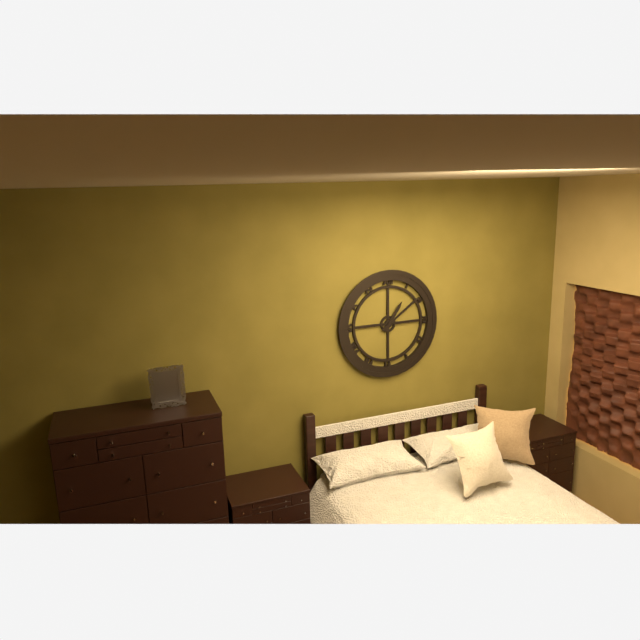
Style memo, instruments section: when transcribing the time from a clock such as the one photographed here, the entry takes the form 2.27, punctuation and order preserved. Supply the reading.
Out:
1.09
